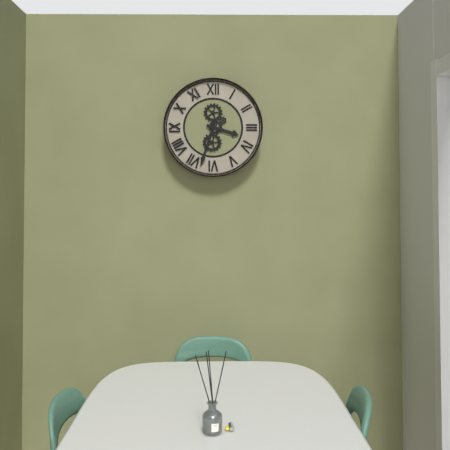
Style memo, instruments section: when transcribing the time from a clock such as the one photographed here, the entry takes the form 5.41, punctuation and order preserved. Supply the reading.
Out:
3.33
